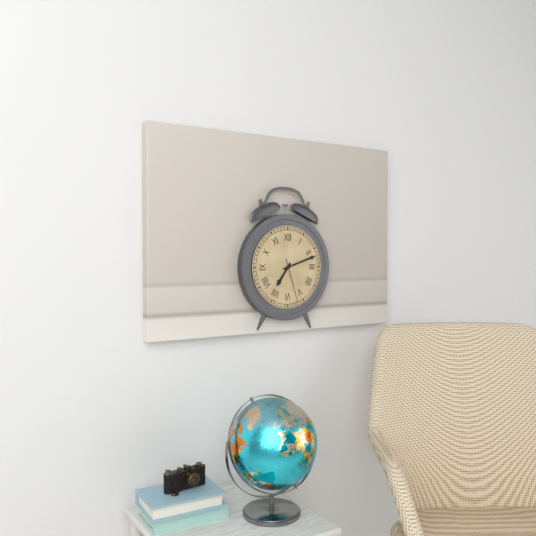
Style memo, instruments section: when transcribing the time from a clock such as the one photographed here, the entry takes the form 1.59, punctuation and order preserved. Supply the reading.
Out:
7.12
